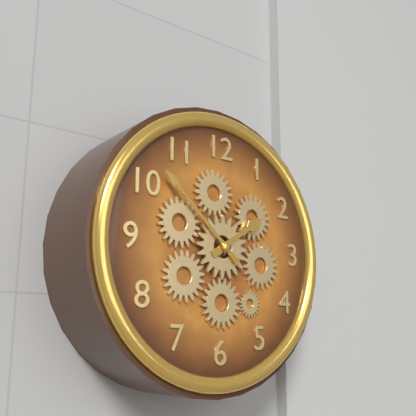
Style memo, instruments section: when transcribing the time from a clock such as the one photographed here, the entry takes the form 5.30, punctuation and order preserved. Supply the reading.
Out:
1.52
